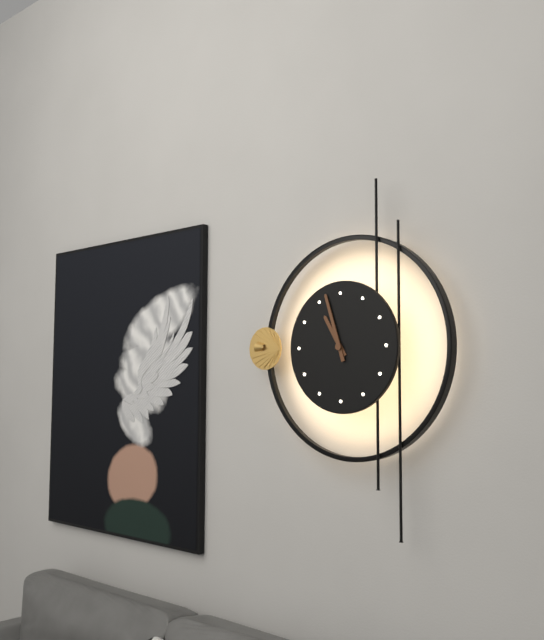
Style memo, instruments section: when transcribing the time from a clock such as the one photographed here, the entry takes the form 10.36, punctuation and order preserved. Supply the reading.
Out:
10.57
